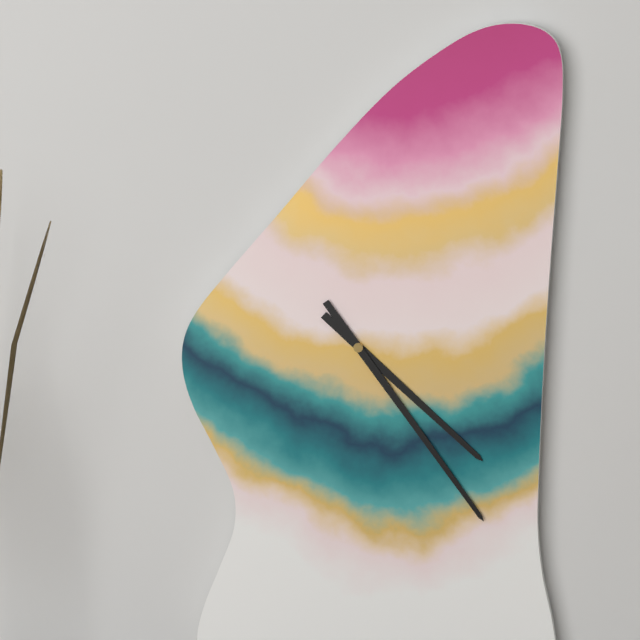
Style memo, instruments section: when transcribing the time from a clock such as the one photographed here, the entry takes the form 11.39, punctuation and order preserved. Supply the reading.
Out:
4.24
